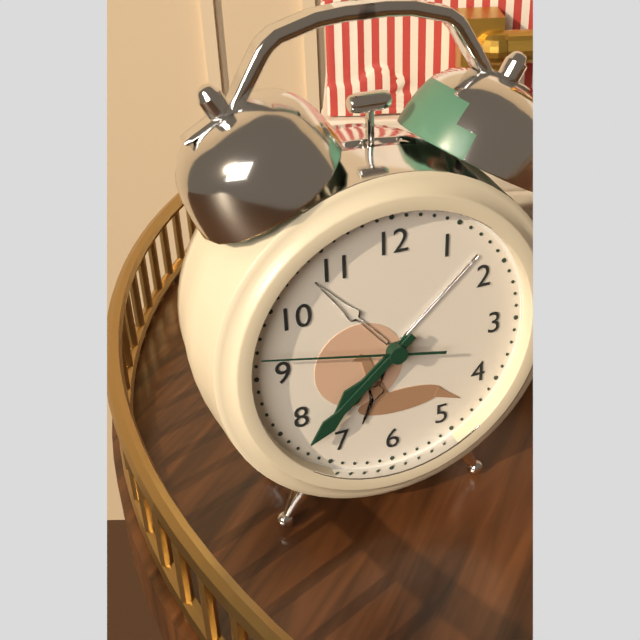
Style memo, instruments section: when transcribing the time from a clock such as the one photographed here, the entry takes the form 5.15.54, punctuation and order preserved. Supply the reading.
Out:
7.38.47
